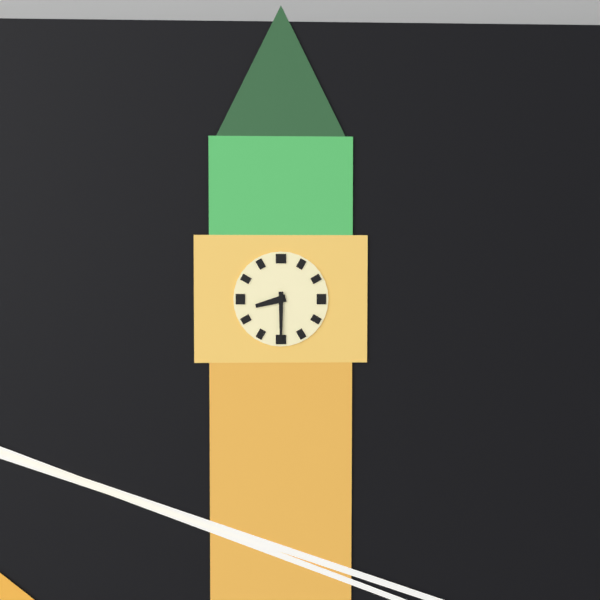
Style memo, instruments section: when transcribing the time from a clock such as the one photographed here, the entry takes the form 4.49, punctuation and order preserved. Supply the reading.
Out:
8.30
